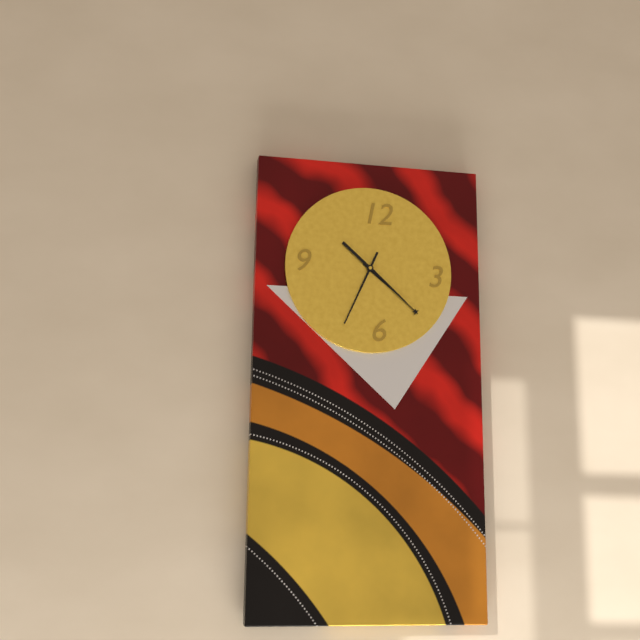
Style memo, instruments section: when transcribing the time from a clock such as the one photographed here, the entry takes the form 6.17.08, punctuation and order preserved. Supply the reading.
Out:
4.22.34
